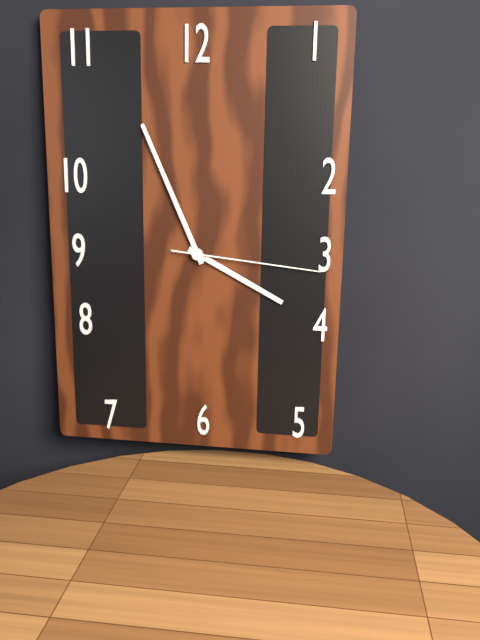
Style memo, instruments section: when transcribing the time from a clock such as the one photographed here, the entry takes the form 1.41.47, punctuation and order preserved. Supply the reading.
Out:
3.56.16
